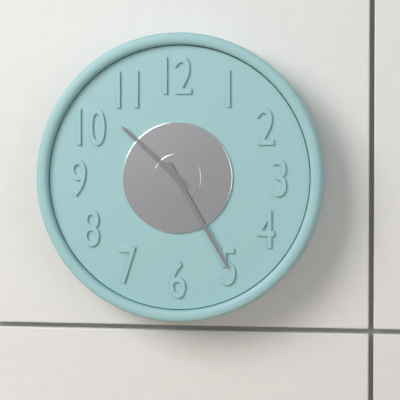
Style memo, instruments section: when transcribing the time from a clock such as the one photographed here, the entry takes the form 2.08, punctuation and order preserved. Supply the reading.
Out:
10.25
